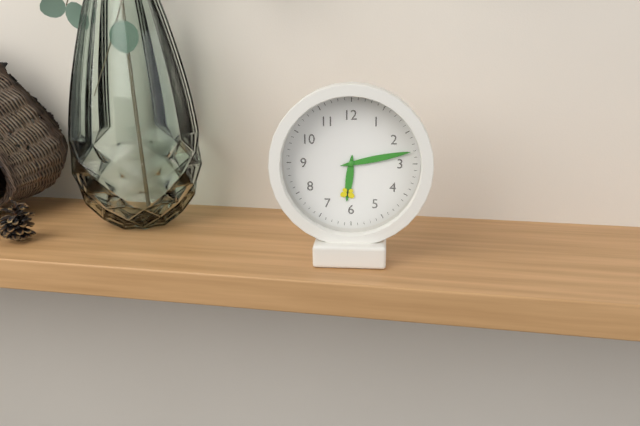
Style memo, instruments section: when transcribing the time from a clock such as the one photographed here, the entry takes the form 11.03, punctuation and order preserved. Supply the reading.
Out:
6.13
